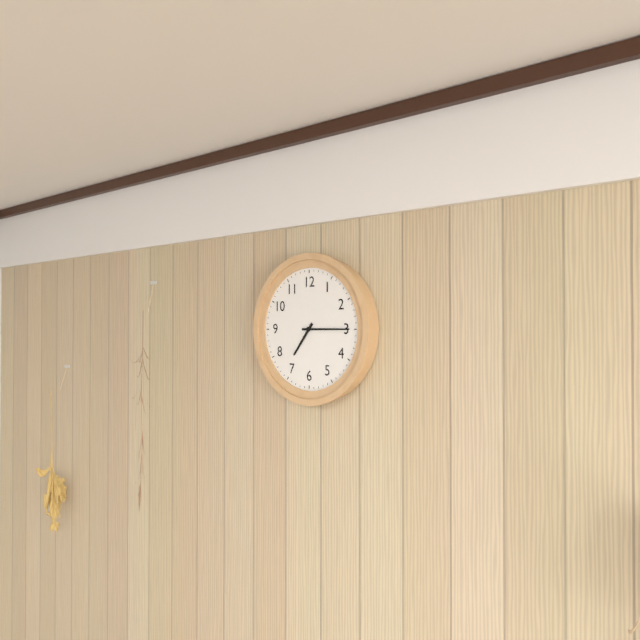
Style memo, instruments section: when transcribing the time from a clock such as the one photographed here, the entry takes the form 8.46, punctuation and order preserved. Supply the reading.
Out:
7.15
